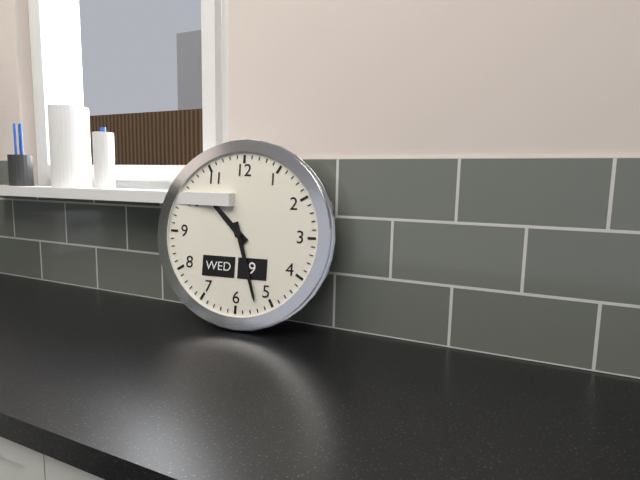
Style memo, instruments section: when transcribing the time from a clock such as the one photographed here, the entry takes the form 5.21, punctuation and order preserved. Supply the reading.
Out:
10.27
